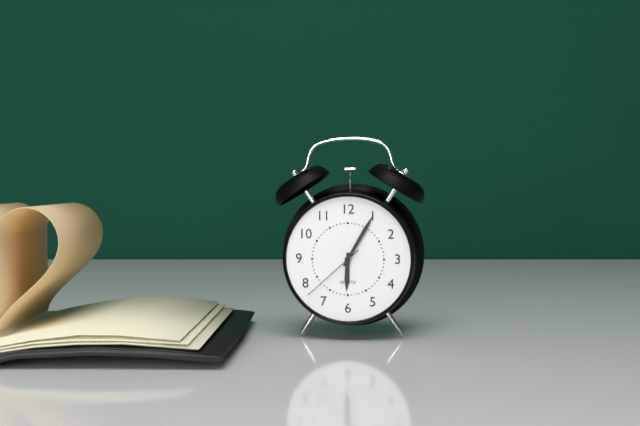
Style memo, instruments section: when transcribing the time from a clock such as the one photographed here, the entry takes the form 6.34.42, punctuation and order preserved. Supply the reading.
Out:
6.05.38
